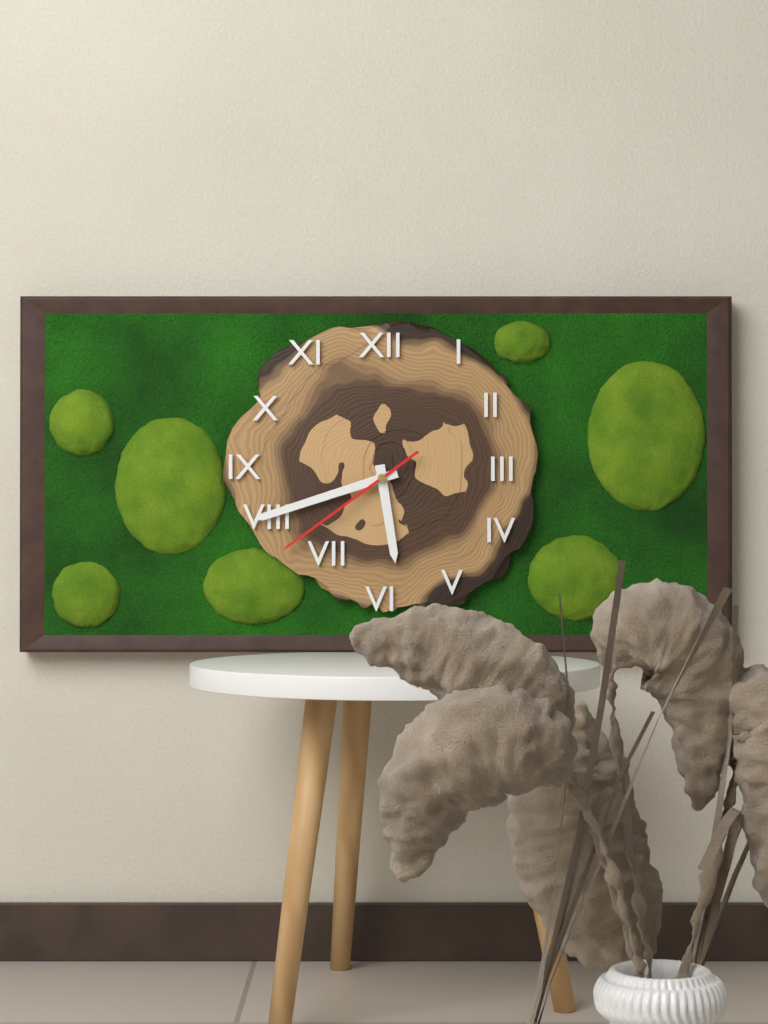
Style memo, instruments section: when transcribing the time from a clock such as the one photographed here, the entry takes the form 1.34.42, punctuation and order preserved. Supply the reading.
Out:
5.42.39
